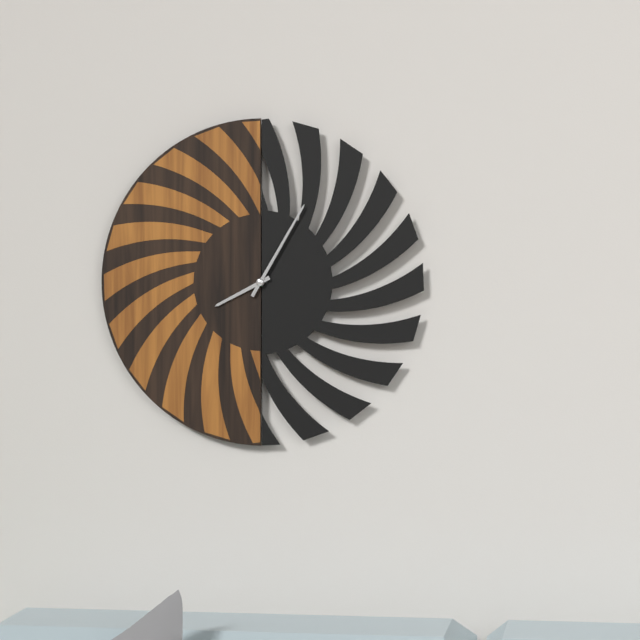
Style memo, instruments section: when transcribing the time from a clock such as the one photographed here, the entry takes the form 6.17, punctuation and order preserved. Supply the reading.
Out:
8.05
